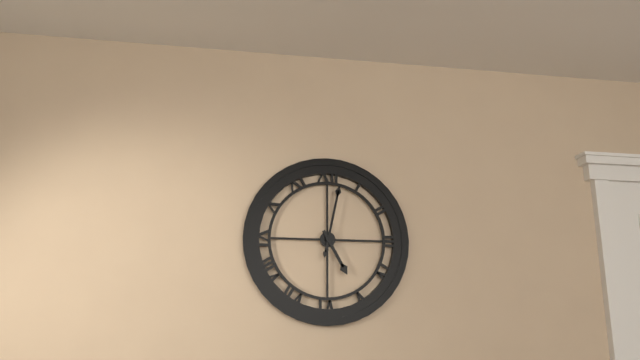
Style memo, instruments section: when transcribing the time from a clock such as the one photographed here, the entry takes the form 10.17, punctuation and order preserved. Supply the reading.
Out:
5.02
